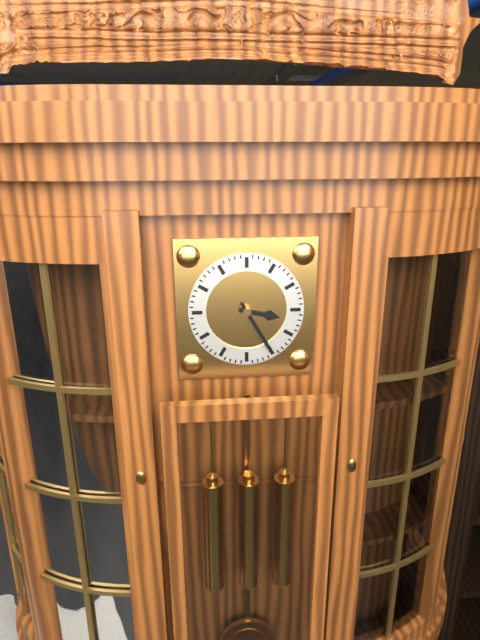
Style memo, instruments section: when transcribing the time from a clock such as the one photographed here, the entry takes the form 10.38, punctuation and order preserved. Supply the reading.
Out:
3.25
